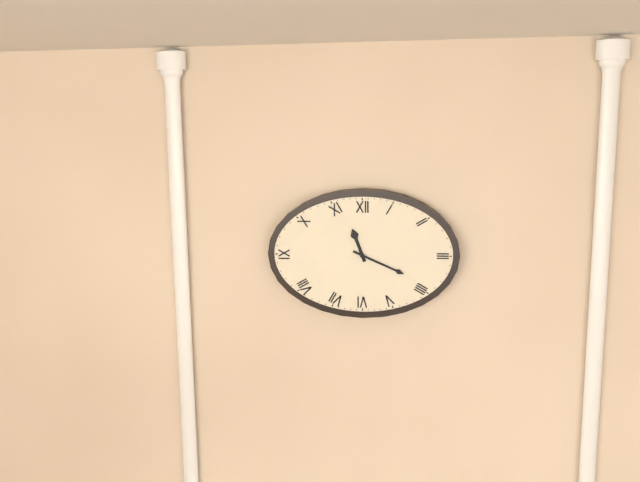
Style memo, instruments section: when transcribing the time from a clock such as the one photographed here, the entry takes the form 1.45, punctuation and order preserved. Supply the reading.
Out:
11.19
